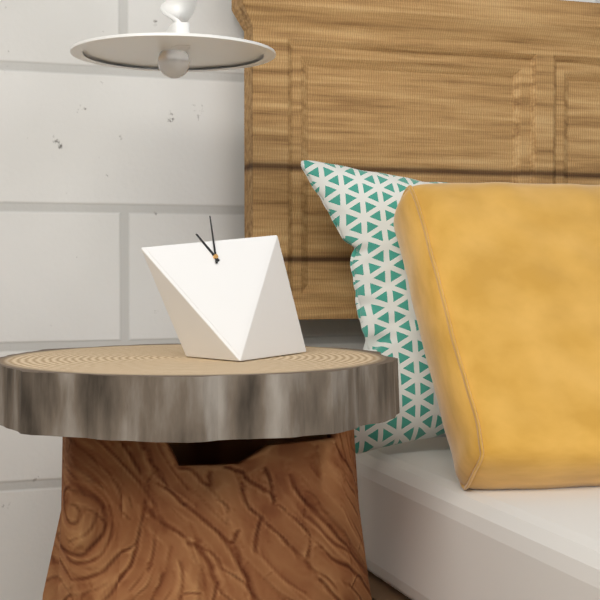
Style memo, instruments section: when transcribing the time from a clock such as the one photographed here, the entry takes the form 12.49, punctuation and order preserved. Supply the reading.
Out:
11.01
